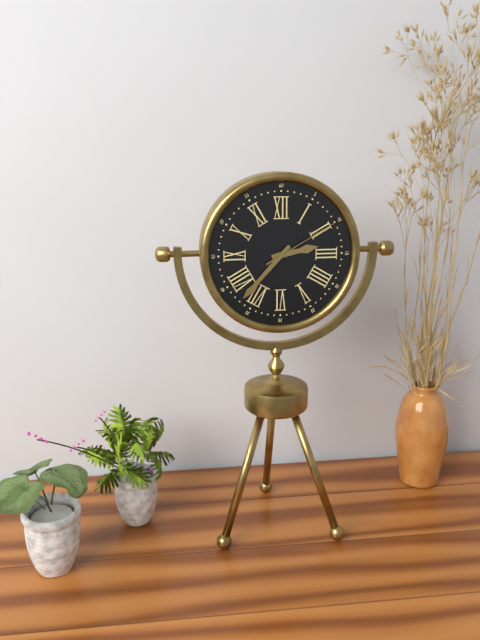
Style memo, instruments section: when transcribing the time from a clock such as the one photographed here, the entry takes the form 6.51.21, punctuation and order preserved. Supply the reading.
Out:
2.37.10
